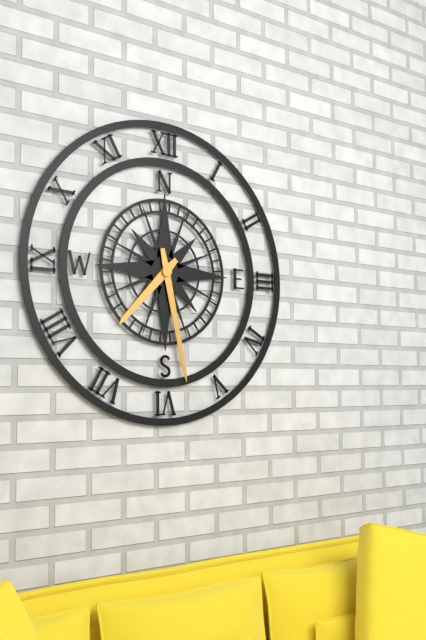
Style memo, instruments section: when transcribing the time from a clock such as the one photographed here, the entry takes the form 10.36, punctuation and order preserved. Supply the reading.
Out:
7.28
